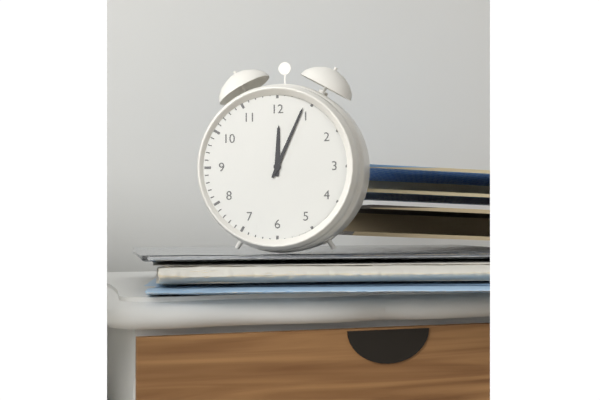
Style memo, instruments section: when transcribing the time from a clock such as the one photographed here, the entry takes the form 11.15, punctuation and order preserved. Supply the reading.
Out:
12.04
